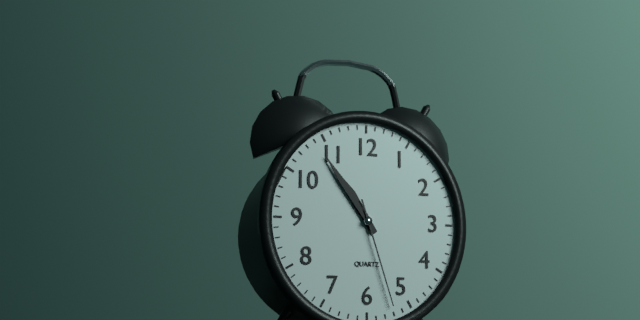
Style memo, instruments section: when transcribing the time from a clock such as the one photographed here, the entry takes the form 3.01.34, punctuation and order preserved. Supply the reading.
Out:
10.54.27
